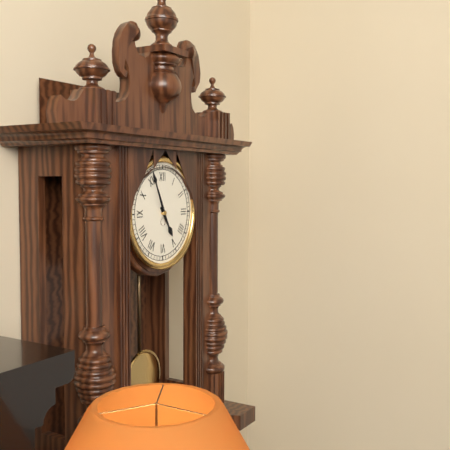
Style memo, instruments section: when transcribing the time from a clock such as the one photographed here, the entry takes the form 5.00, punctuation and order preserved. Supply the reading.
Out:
4.56
